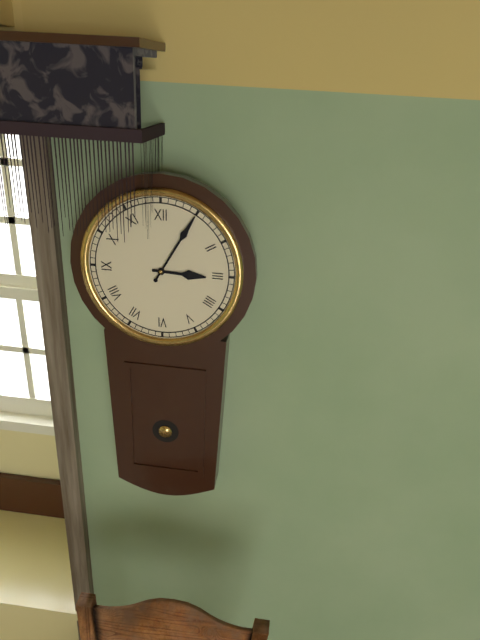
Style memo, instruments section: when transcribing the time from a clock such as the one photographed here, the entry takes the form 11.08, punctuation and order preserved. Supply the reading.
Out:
3.05
